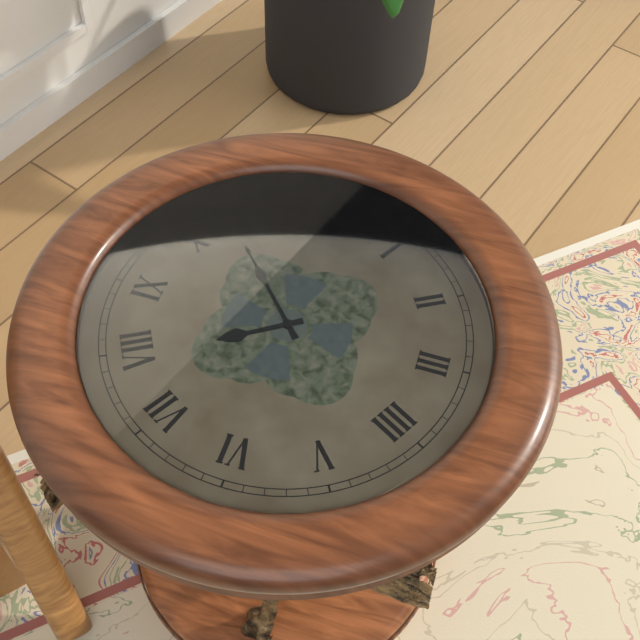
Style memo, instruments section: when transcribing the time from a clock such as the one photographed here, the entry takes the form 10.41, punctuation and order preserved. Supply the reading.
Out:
7.53
